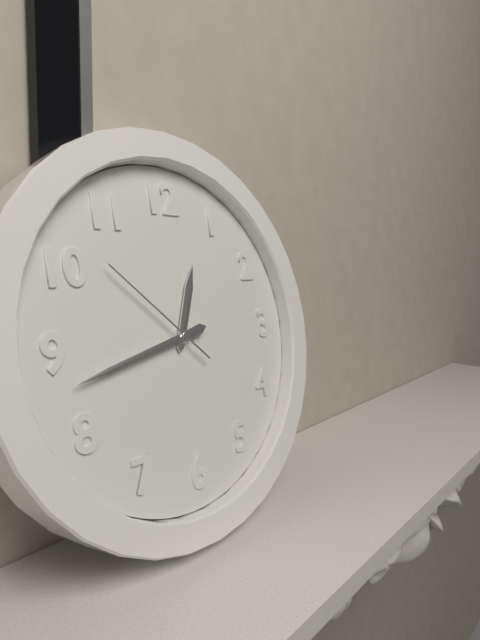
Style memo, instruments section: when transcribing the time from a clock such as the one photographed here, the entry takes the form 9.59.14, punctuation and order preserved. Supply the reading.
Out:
12.43.52
